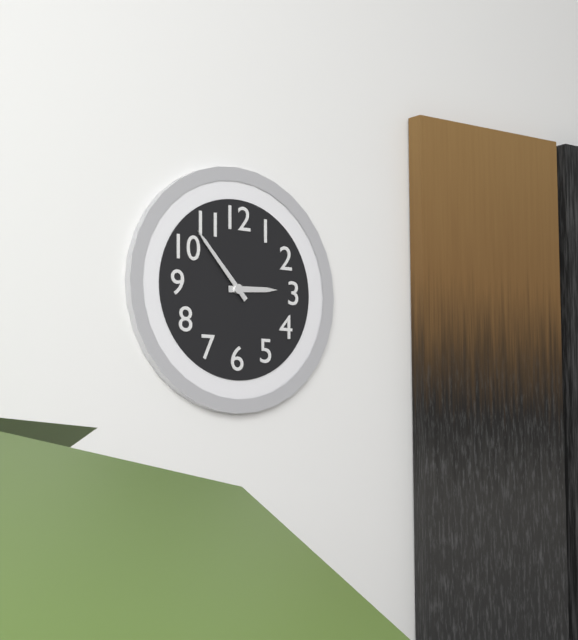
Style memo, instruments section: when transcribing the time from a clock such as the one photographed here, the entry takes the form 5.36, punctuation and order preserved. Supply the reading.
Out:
2.53
